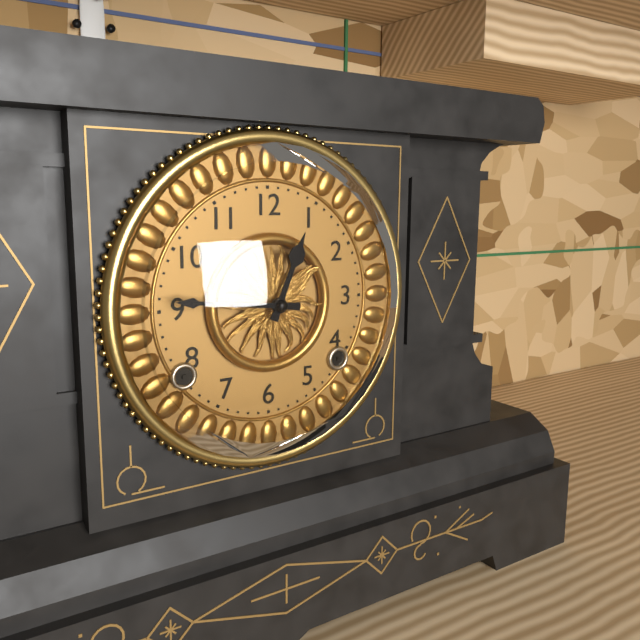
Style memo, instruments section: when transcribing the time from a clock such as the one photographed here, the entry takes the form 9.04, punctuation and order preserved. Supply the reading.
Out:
12.46
